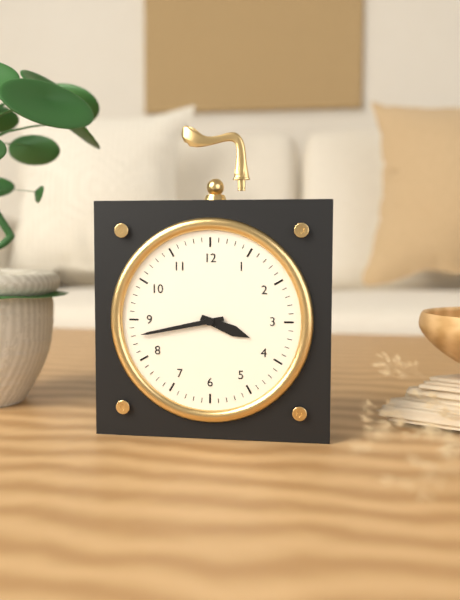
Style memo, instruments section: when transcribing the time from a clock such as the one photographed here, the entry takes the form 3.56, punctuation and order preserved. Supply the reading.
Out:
3.43
